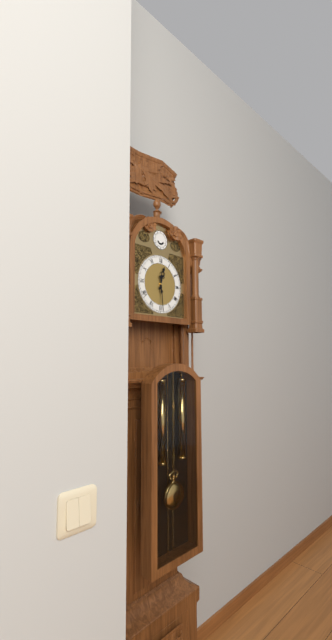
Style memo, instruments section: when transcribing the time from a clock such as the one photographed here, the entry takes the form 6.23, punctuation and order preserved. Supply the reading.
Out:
12.29
